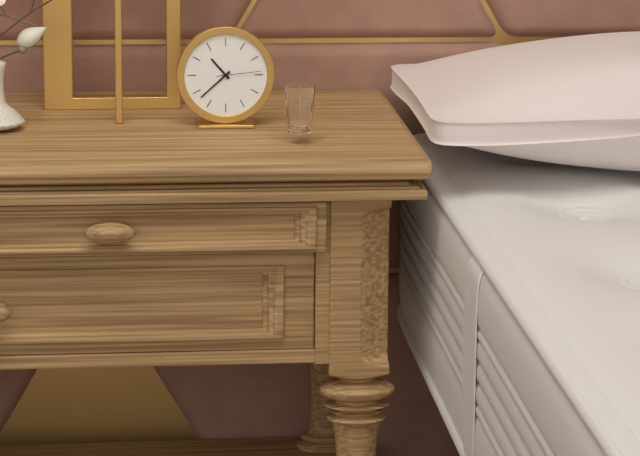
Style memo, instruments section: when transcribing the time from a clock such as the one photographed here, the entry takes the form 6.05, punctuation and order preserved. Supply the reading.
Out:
10.38
